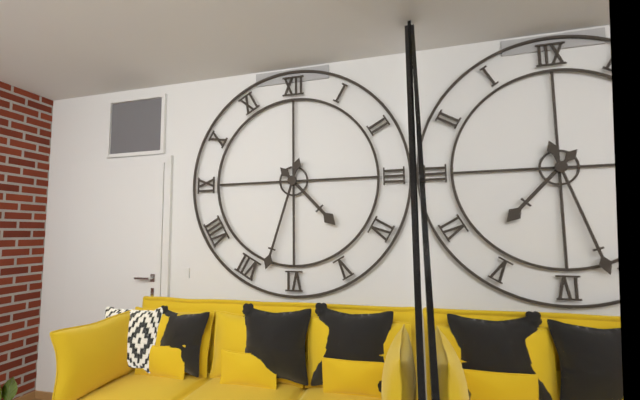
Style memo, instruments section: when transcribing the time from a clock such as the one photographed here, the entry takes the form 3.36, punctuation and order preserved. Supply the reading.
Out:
4.33
